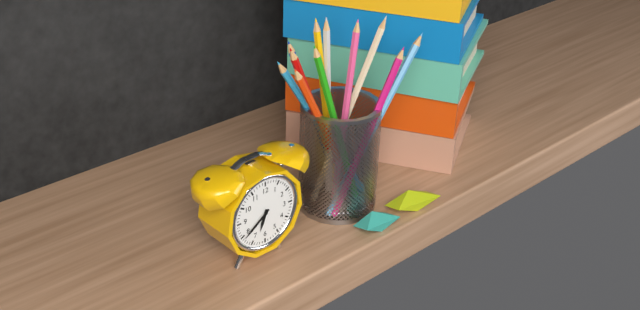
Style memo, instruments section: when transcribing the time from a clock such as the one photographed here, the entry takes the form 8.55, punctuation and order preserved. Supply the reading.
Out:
6.39
